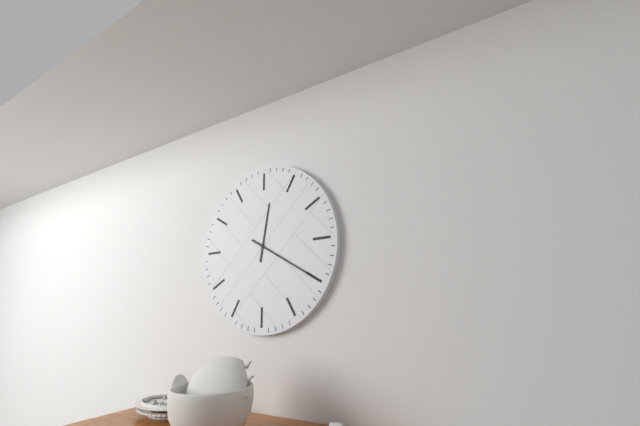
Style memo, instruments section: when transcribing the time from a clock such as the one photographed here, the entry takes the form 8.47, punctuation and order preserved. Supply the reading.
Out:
12.20
